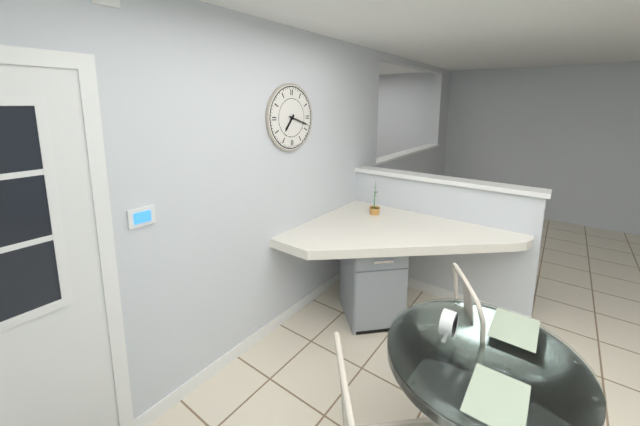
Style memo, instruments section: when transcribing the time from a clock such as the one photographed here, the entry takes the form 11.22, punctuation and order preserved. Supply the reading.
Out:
7.18
